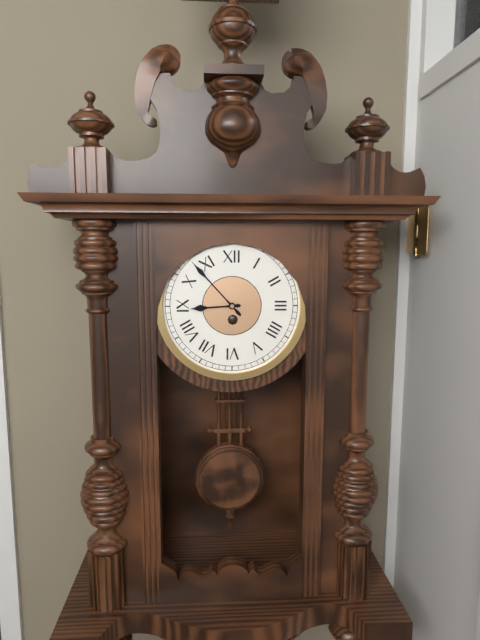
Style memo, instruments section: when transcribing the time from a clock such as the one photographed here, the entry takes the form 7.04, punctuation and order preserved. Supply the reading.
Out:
8.53
